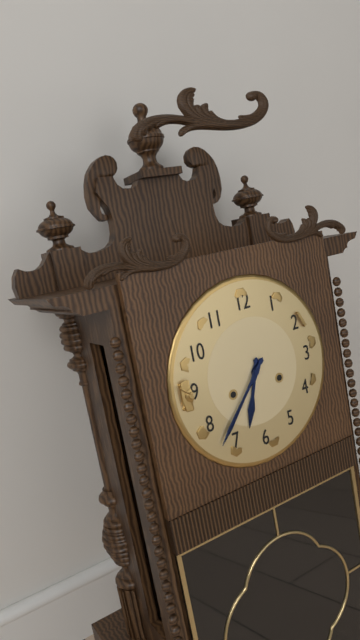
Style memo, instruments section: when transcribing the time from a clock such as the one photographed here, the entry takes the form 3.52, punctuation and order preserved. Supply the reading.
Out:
6.37
